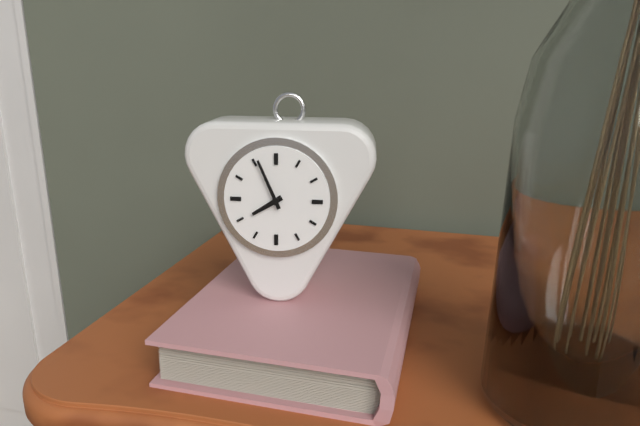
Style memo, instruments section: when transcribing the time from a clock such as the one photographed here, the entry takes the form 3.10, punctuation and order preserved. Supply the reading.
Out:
7.56
